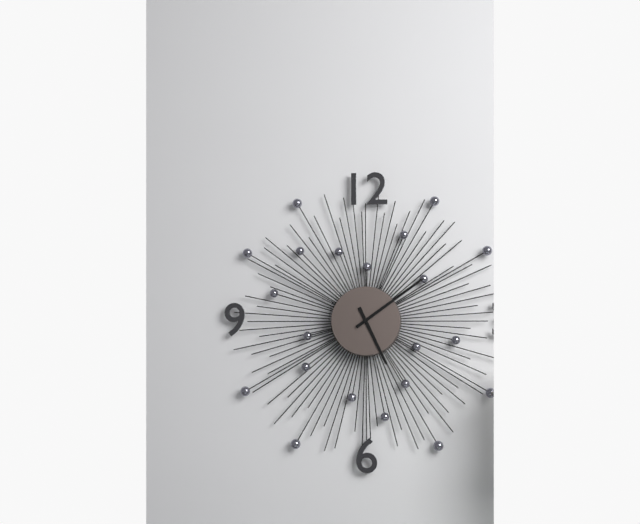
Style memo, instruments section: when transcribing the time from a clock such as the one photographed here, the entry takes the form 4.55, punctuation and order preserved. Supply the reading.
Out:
5.09
